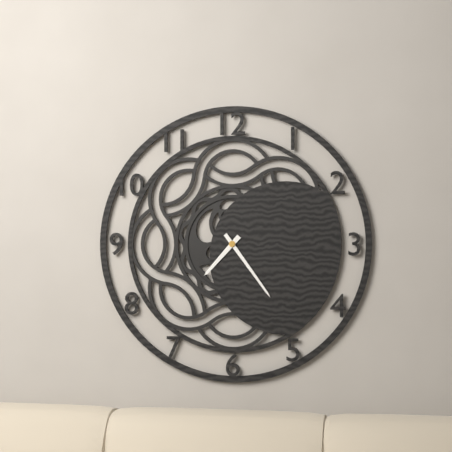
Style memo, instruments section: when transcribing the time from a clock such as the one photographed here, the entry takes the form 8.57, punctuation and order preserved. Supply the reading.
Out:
7.24
